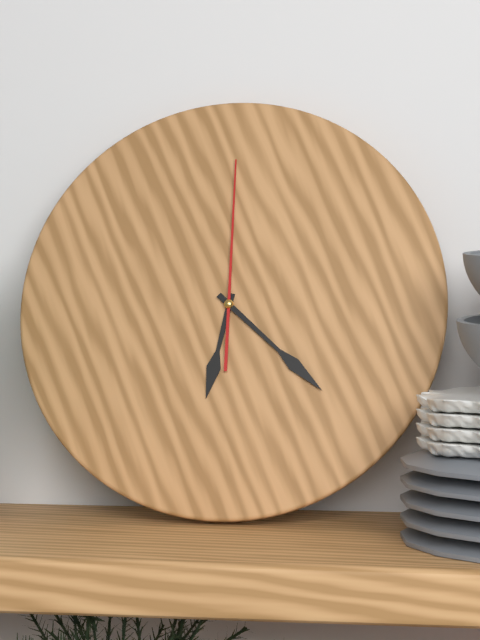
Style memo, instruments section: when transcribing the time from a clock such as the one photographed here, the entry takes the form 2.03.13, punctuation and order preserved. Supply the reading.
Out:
6.22.00
